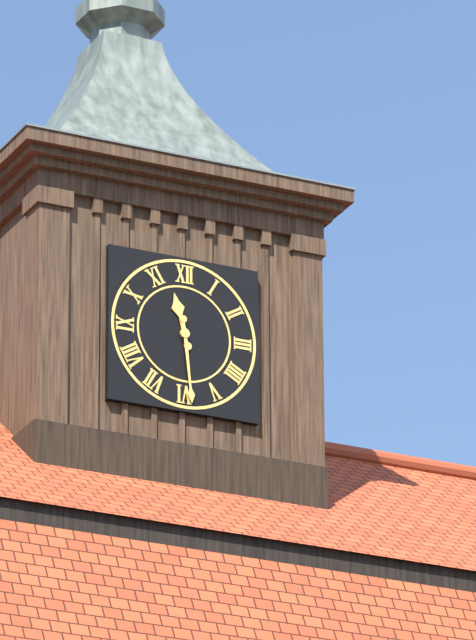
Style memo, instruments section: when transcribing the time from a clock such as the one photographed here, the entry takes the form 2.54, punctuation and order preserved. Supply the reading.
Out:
11.29
